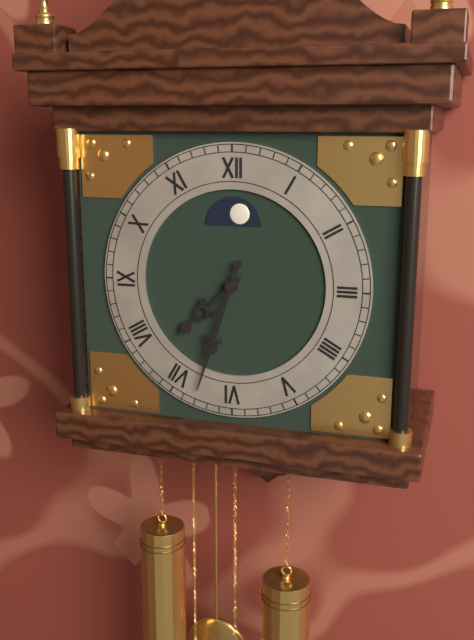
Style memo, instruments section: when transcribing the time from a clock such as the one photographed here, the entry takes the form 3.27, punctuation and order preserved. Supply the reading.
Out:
7.33
